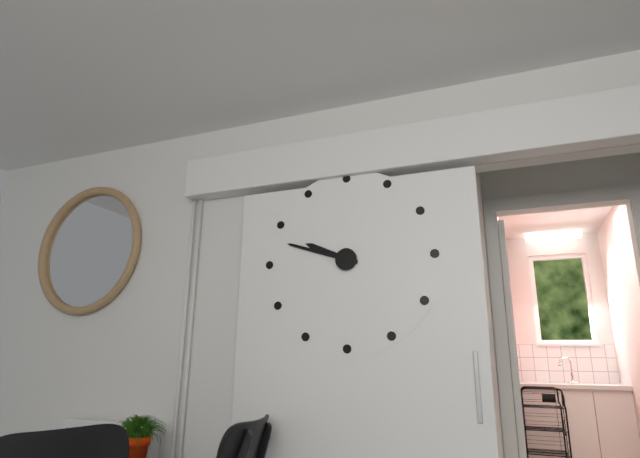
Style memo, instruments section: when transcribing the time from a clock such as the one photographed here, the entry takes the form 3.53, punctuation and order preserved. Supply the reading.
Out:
9.48
